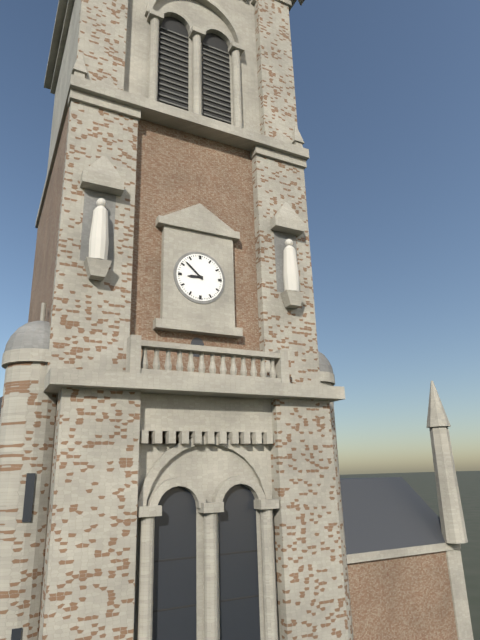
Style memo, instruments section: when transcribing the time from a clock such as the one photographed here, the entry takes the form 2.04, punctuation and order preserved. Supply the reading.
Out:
8.52
